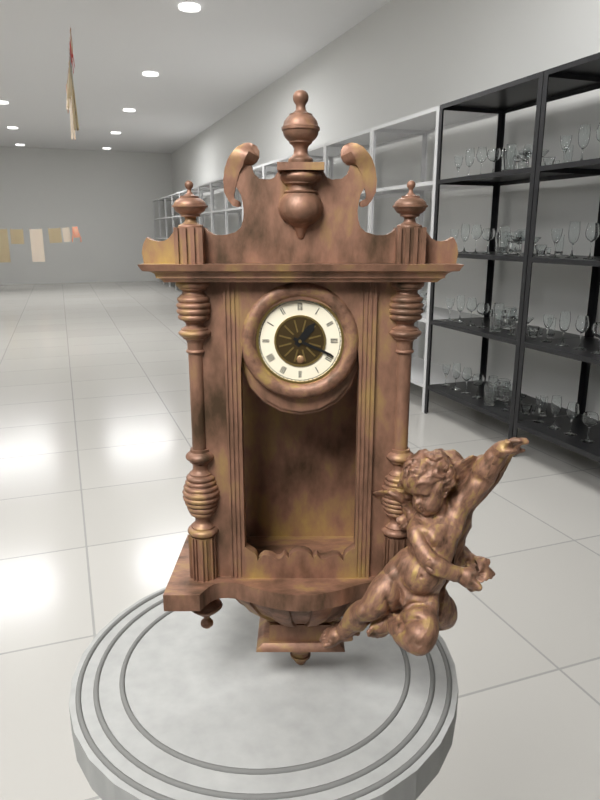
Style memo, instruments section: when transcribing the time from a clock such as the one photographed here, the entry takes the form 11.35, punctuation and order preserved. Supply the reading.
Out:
1.19
